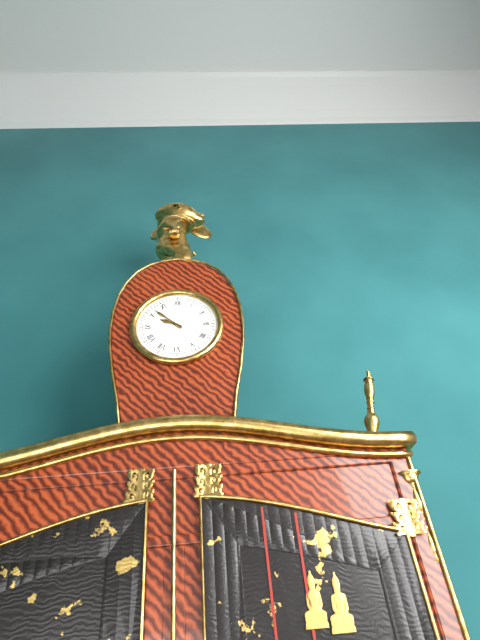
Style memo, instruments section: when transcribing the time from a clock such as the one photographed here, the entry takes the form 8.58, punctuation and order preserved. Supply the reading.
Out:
9.52
